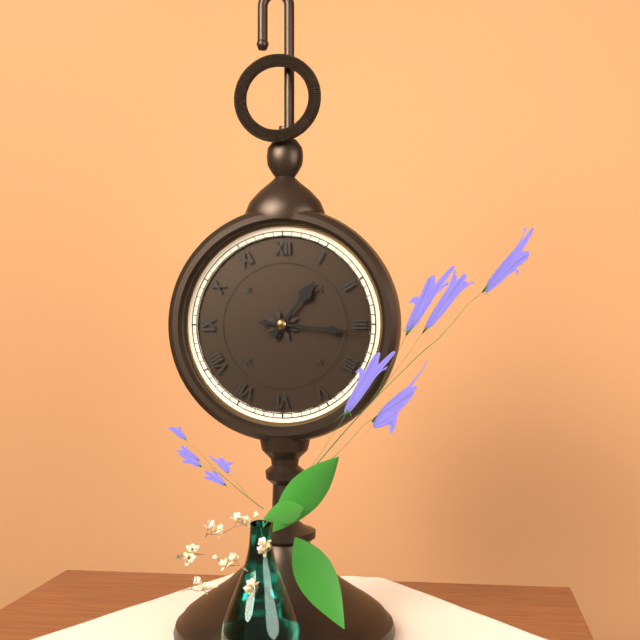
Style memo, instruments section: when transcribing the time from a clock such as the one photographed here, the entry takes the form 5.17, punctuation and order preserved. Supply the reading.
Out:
1.16
